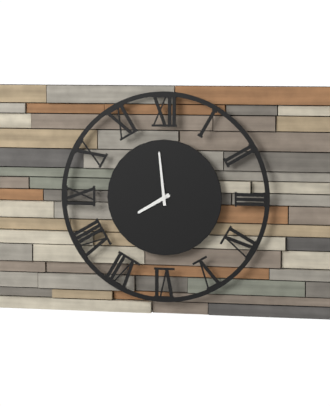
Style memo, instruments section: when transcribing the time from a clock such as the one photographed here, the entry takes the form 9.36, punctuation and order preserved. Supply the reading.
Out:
7.59
